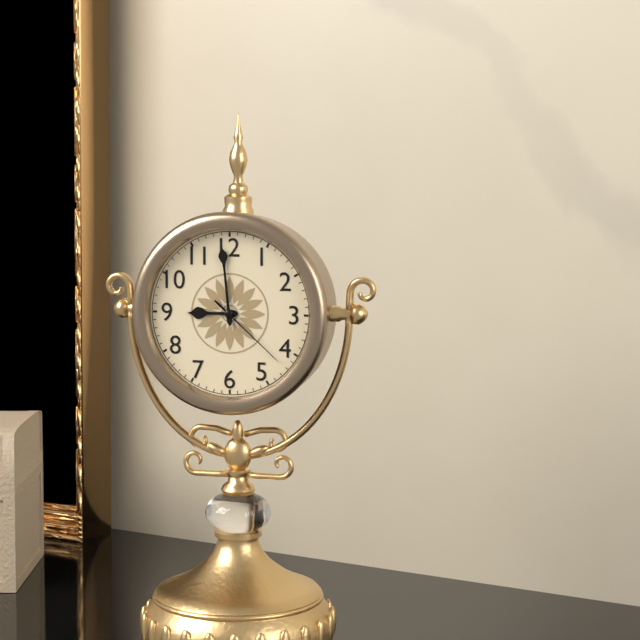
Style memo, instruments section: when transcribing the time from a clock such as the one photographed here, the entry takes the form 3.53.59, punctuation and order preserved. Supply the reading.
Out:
8.59.22
